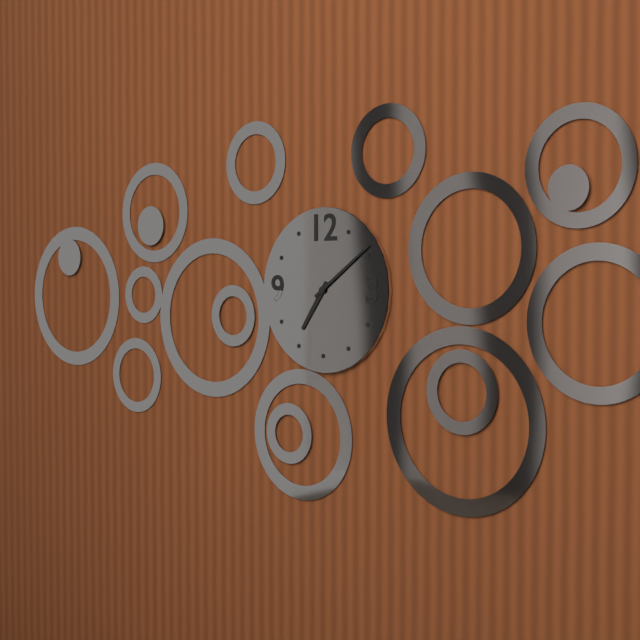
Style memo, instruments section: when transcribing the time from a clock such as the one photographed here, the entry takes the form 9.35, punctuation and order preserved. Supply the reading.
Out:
7.09
